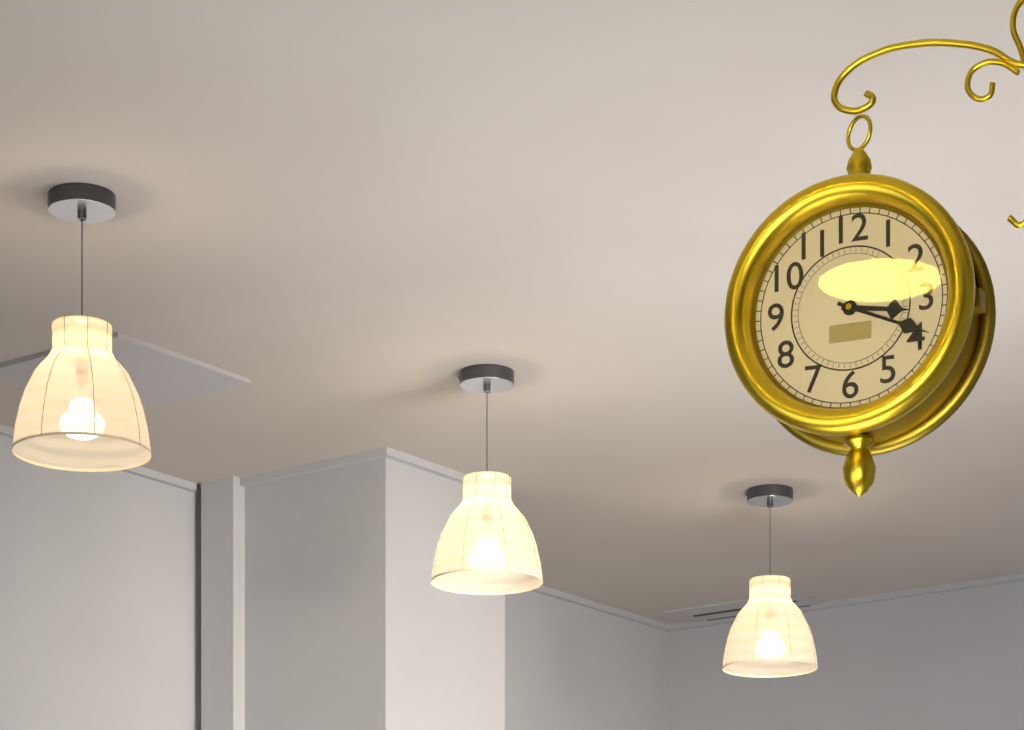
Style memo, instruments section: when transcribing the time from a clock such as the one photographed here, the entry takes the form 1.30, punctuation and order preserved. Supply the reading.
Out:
3.19
